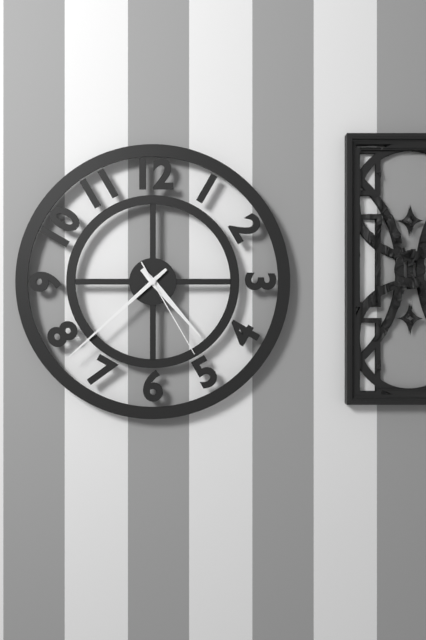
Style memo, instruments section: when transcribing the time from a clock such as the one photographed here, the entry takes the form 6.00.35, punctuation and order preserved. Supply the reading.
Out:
4.38.25
